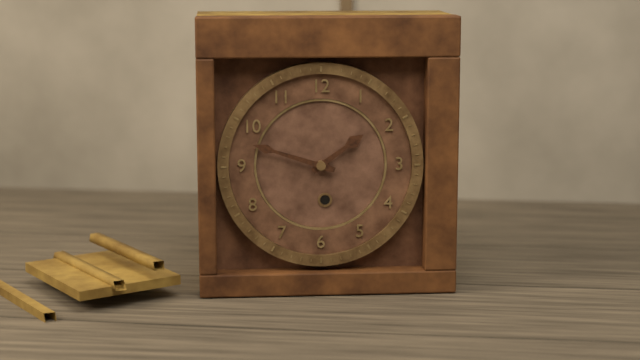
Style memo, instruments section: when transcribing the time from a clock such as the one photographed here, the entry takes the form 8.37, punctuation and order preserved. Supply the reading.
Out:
1.48
